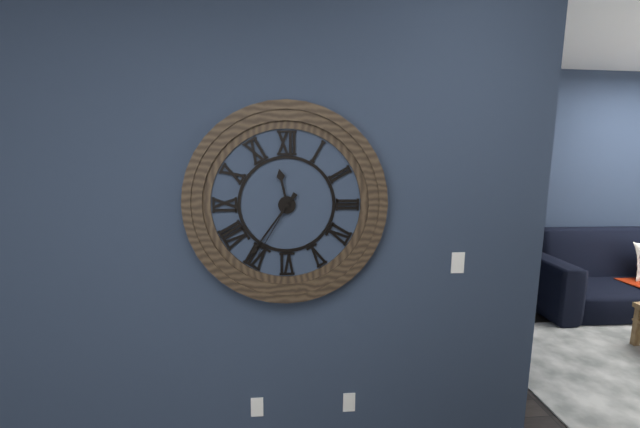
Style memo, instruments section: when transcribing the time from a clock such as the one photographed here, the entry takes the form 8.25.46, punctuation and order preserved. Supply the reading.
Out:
11.36.35
